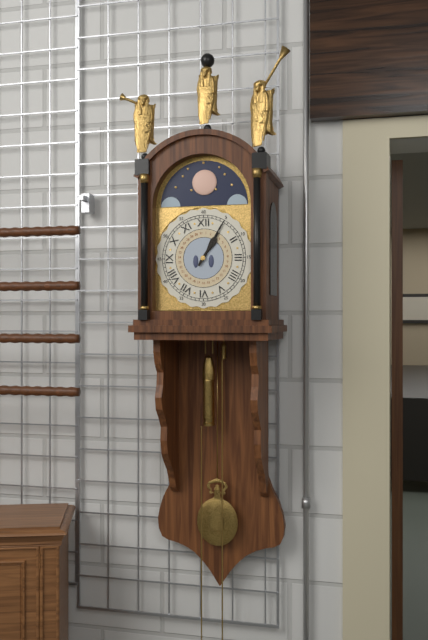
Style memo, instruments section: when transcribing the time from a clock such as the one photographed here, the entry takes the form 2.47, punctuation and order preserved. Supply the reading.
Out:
1.05
